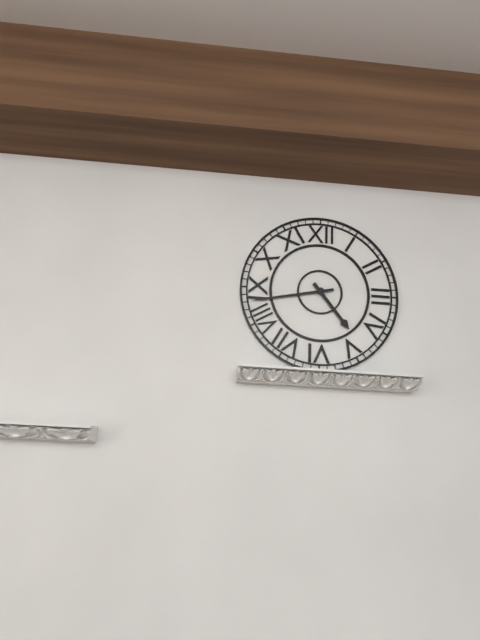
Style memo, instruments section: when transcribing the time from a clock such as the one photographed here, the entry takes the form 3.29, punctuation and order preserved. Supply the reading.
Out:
4.43
